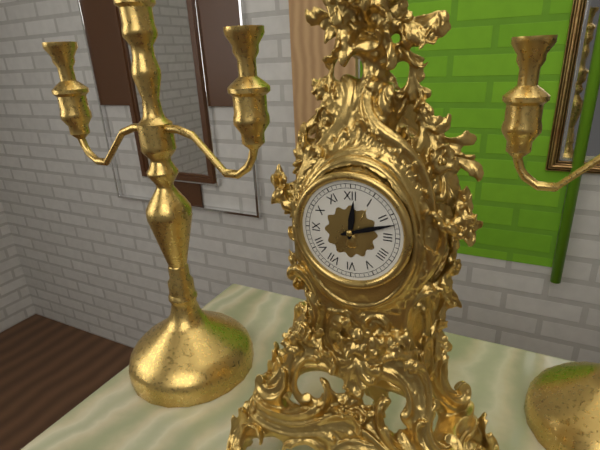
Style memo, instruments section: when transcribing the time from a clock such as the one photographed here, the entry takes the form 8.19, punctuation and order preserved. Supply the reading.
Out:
12.12
